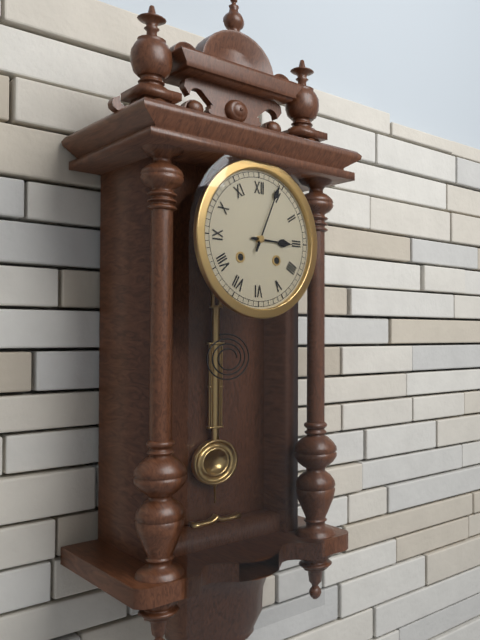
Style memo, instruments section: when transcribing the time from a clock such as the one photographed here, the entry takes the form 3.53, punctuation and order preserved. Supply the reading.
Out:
3.04
